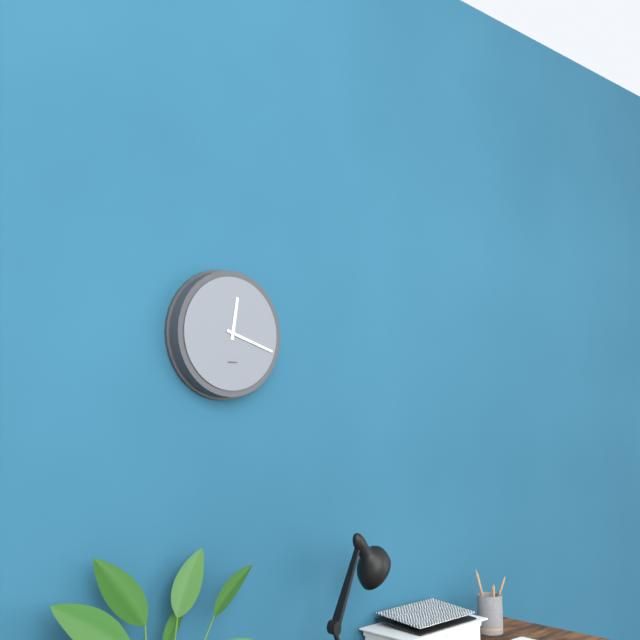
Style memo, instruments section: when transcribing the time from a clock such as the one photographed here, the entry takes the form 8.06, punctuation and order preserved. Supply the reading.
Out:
12.18
